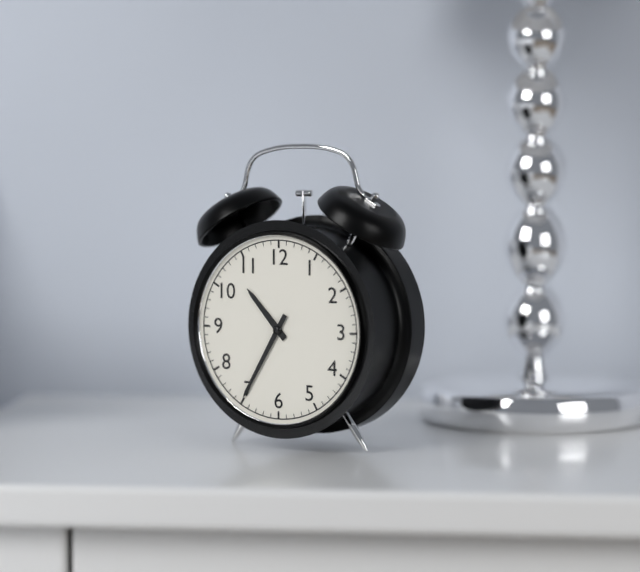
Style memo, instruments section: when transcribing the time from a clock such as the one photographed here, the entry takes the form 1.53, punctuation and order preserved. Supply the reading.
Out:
10.35
